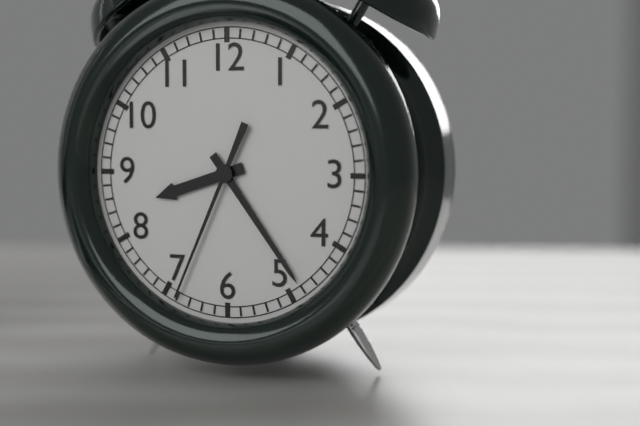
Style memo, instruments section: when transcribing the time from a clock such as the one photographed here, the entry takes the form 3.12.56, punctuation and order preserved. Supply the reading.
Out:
8.24.34
